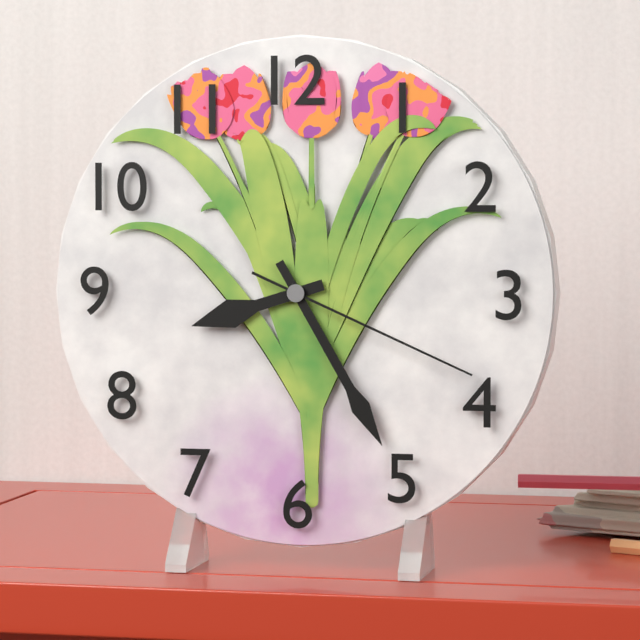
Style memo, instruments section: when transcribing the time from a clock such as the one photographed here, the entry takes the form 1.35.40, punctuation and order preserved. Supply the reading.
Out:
8.25.19
